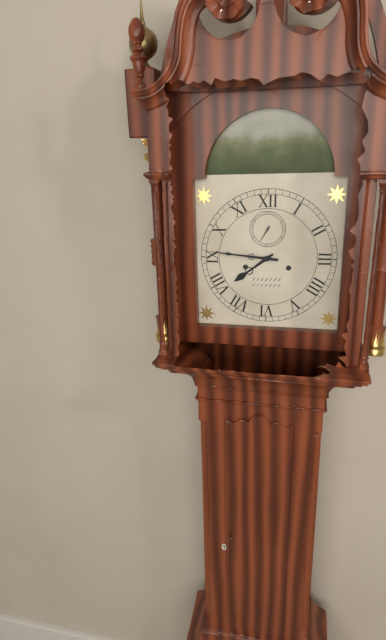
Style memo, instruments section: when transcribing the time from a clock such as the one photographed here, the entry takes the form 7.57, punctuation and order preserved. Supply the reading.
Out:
7.46
